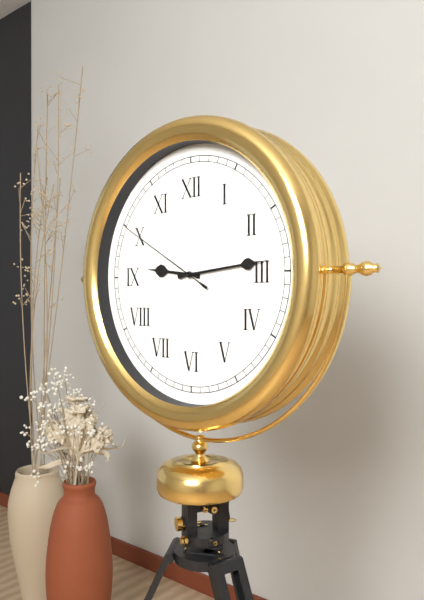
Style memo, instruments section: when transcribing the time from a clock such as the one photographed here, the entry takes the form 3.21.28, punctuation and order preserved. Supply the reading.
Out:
9.14.50
